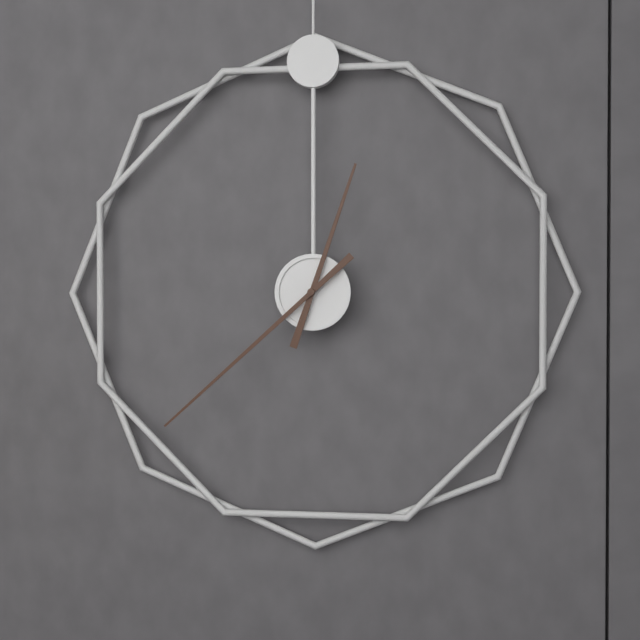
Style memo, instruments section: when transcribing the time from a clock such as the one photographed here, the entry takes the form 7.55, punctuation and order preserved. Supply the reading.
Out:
12.38
